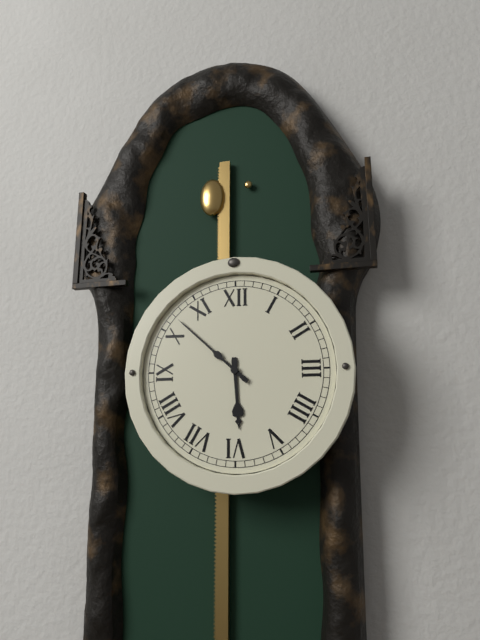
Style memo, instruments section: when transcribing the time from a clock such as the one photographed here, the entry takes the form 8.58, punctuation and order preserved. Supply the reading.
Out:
5.52
